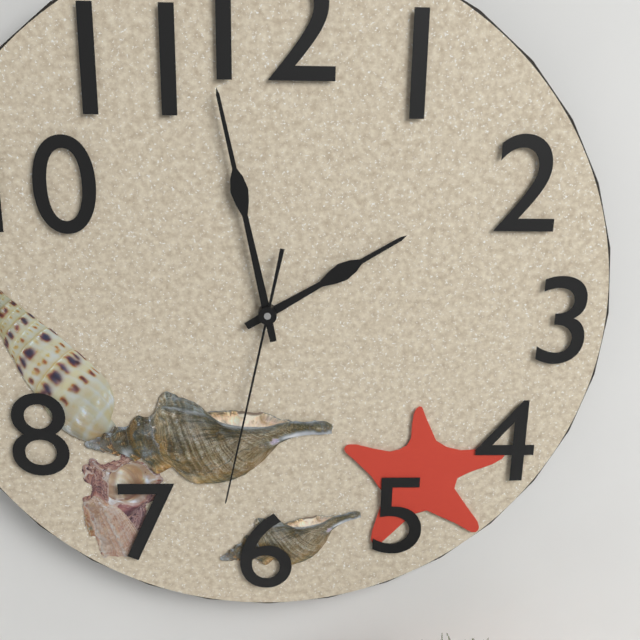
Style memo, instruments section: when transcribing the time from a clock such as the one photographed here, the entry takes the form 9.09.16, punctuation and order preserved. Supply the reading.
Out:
1.58.32
